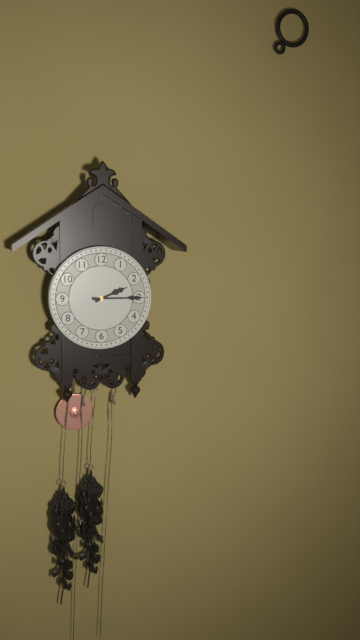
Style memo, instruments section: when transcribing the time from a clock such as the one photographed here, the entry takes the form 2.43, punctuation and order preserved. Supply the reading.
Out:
2.15
